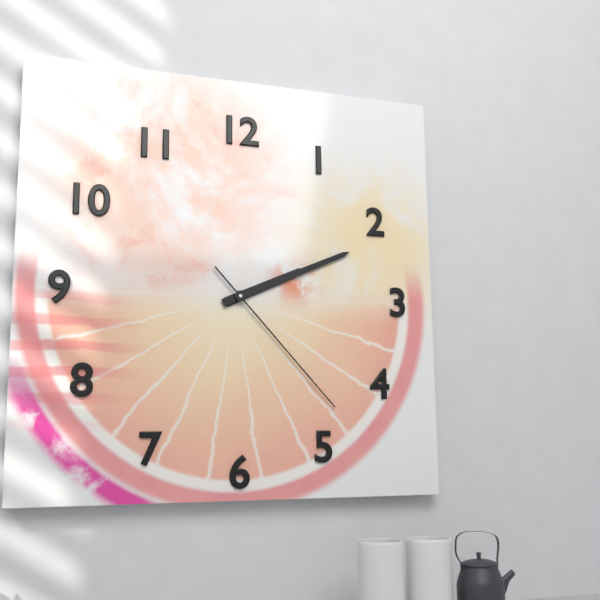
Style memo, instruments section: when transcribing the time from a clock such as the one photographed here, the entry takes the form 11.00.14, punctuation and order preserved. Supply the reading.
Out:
2.11.23
